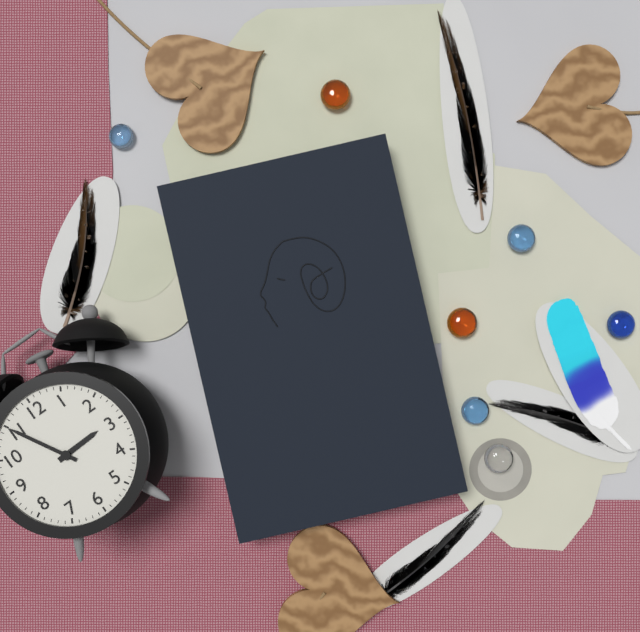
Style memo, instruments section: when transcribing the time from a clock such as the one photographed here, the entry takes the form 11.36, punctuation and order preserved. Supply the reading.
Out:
2.55
